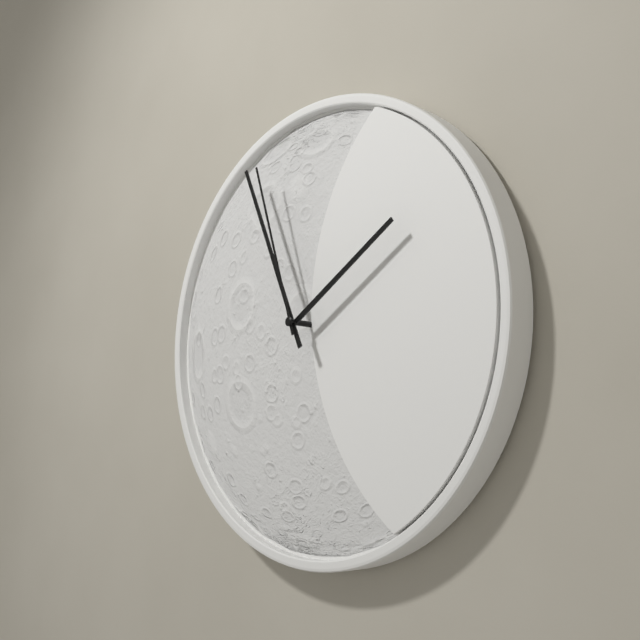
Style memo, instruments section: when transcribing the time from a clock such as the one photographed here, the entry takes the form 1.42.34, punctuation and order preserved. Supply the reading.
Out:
1.56.57
